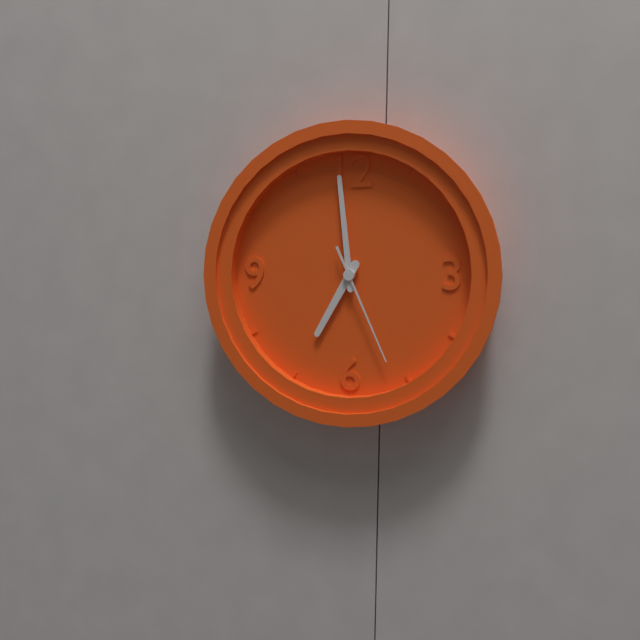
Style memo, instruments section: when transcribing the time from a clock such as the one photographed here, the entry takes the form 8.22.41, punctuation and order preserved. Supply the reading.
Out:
6.59.26
